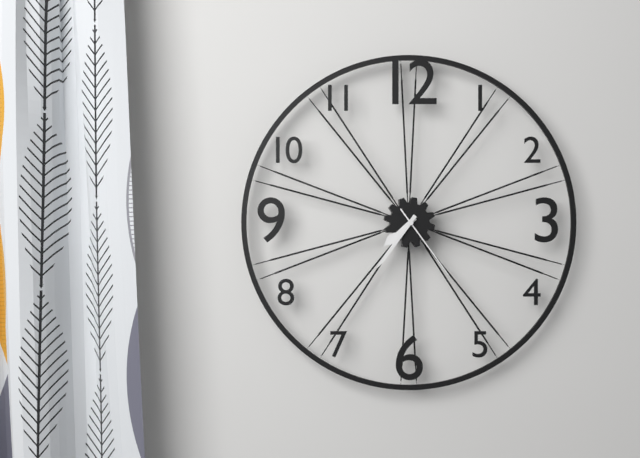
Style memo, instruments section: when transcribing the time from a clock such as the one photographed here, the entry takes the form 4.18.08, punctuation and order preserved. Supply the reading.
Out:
7.36.24
